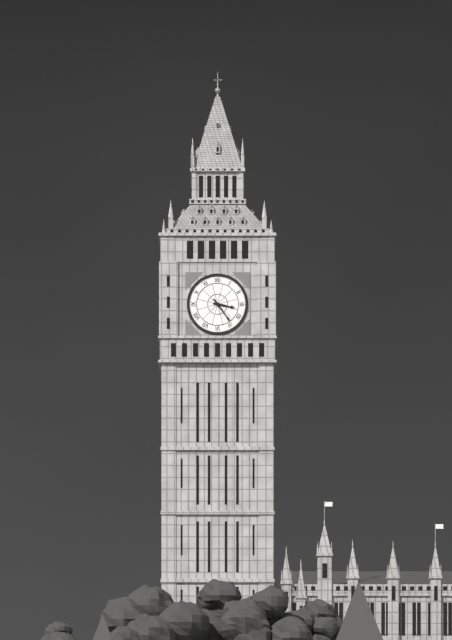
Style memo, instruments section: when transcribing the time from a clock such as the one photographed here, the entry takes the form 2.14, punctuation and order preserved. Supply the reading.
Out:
3.24
